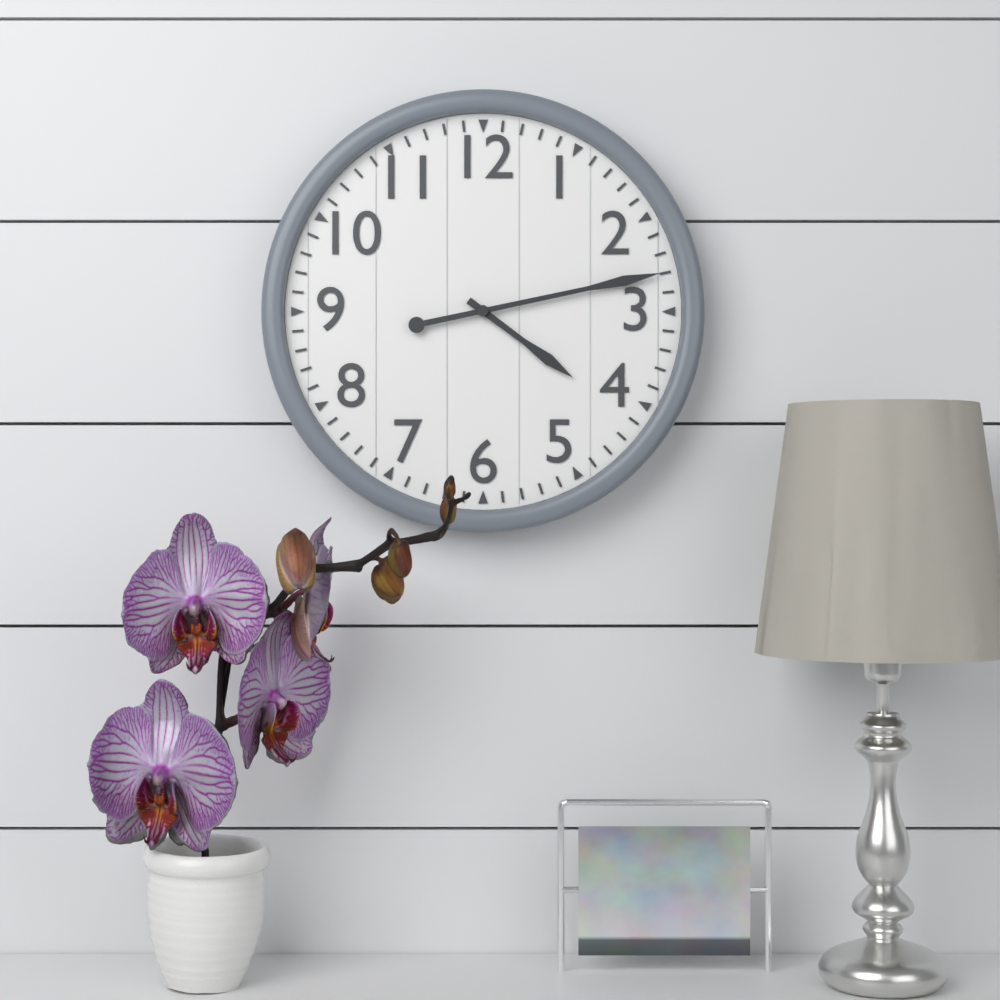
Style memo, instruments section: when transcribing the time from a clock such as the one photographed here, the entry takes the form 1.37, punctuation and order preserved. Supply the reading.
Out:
4.13
